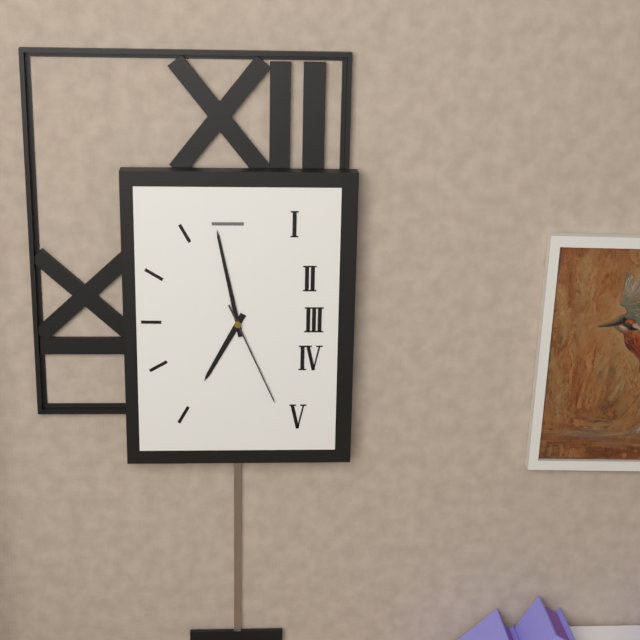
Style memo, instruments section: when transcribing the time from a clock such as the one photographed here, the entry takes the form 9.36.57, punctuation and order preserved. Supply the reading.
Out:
6.58.26
